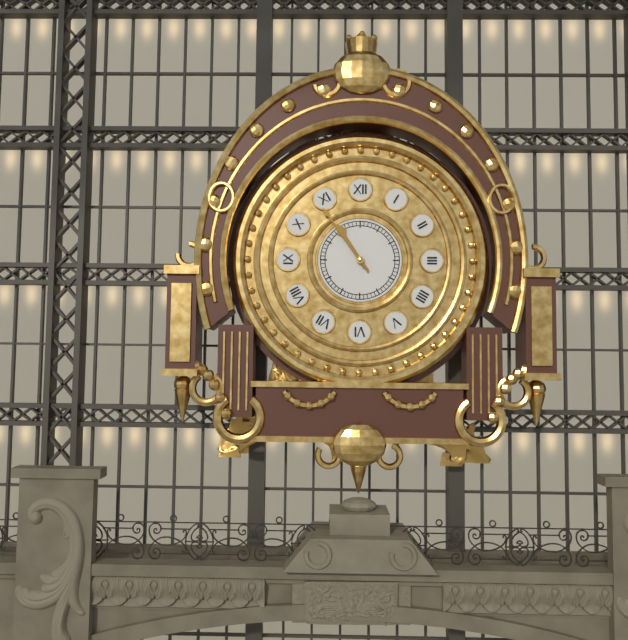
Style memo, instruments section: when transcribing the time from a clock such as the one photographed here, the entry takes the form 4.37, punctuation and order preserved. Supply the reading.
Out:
10.54
